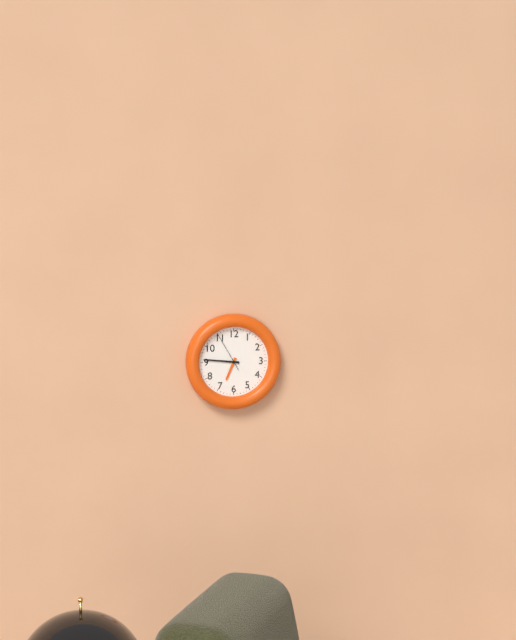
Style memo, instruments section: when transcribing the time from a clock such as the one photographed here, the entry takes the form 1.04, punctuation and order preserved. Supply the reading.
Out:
6.46
